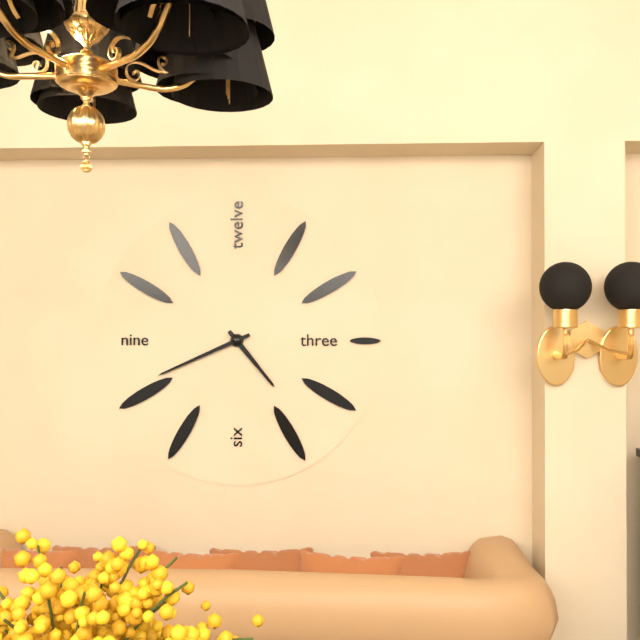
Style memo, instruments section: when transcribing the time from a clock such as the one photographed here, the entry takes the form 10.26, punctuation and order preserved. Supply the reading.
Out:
4.41
